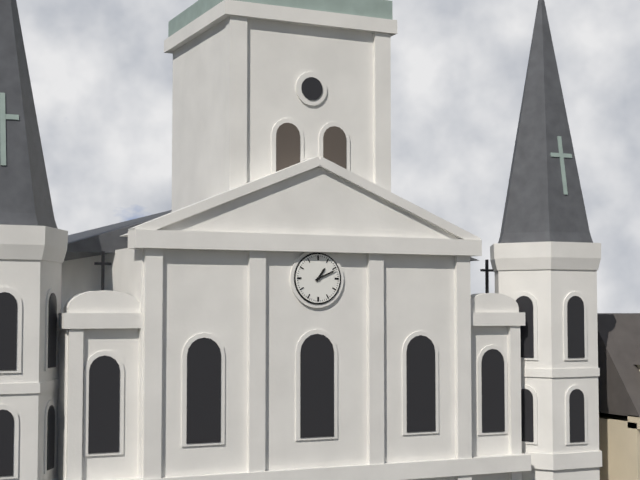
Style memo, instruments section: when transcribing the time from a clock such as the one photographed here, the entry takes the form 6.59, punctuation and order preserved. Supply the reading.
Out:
1.11
